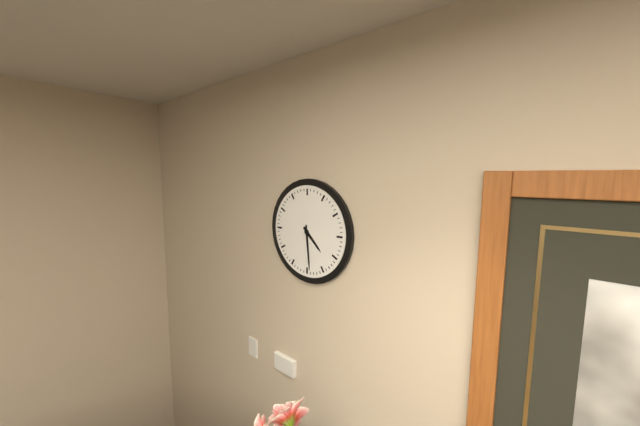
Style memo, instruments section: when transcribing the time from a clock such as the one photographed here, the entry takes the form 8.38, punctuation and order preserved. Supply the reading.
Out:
4.29
